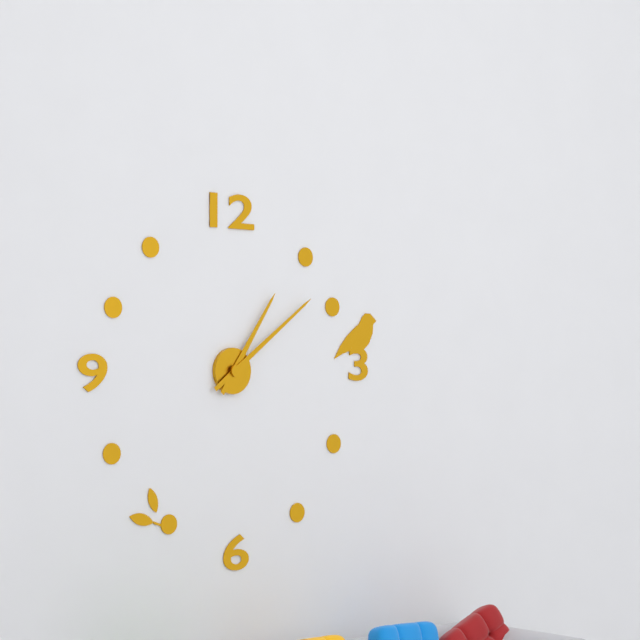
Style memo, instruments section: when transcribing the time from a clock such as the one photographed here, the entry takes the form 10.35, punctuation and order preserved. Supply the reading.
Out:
1.09
